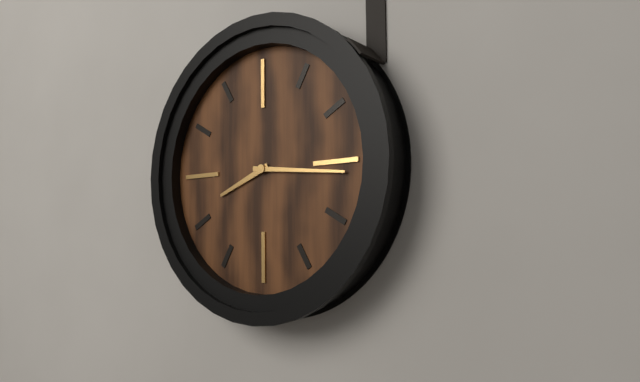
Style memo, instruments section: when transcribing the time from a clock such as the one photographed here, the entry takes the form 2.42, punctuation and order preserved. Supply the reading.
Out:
8.16
